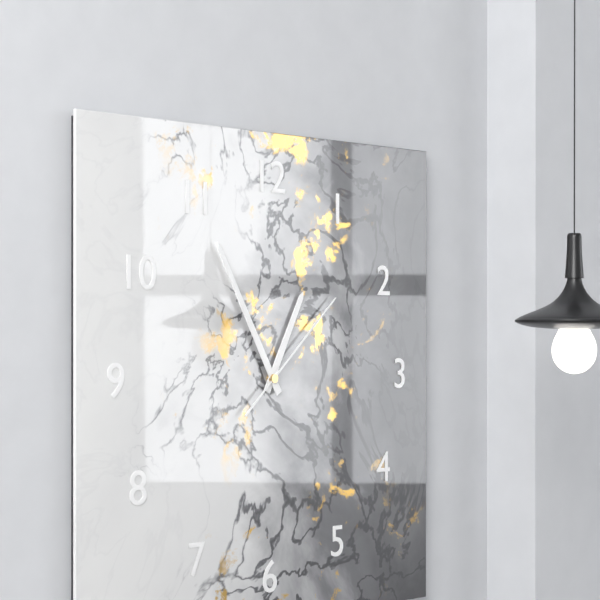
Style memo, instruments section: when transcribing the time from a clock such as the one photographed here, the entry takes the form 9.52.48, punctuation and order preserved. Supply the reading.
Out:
12.55.08
